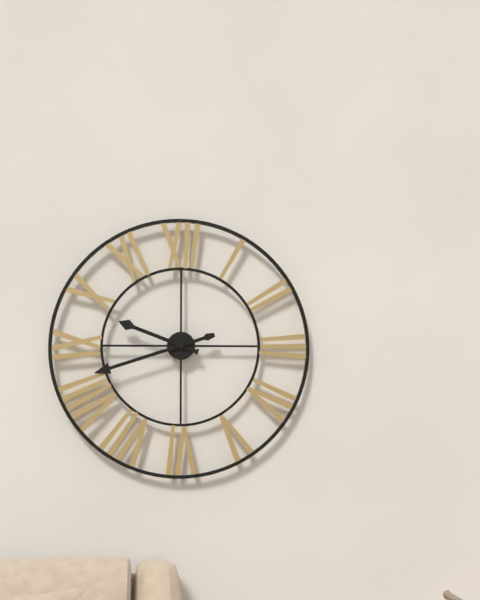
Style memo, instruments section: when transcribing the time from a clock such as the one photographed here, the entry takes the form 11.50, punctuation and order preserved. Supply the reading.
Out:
9.42
